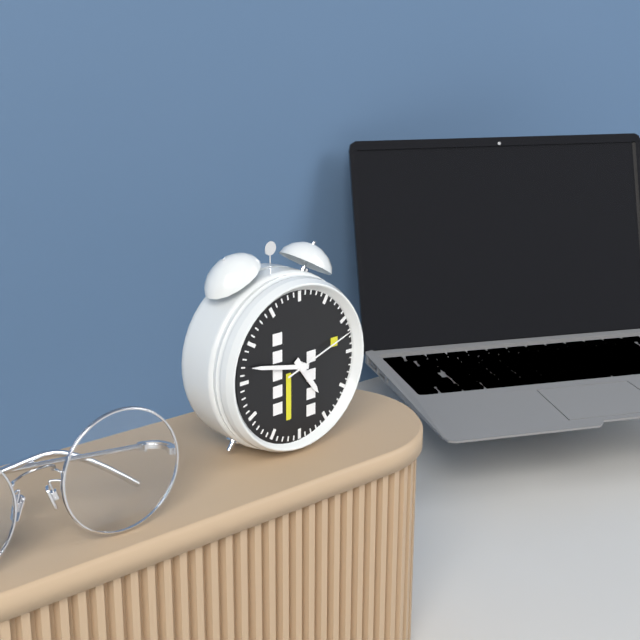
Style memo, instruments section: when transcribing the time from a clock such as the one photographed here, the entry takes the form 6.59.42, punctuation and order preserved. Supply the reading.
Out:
4.47.12
